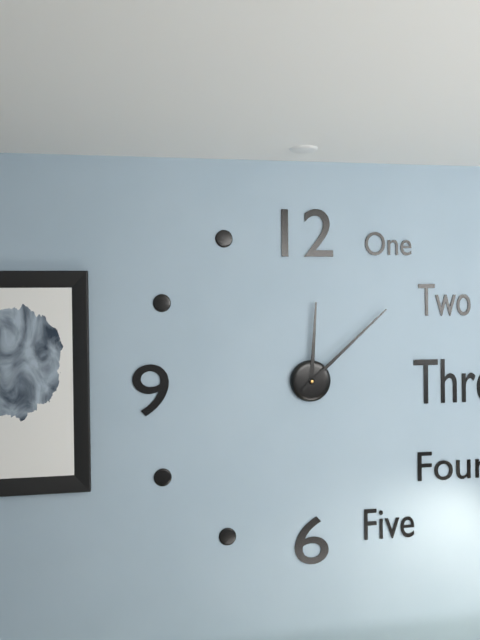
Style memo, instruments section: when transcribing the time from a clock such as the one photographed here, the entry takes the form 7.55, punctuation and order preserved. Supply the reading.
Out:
12.08
